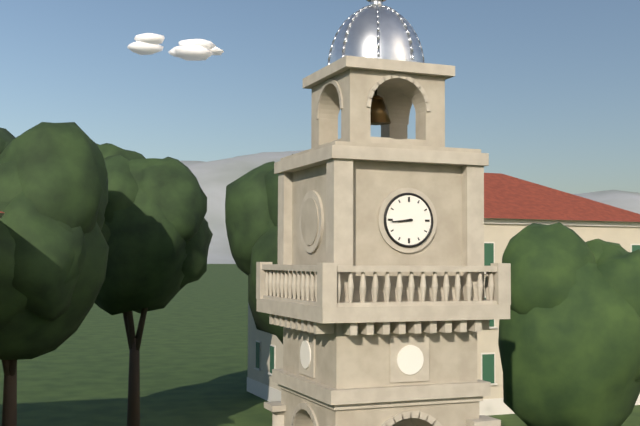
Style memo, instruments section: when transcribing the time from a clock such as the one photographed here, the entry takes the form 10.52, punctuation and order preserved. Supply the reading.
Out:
8.44
